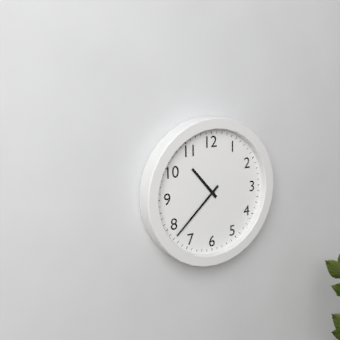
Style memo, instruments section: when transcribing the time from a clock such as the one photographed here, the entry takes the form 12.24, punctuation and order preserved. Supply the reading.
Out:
10.38
